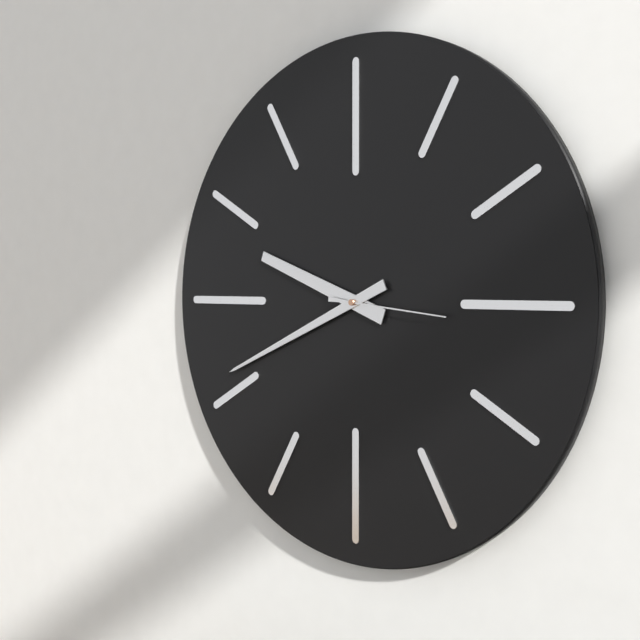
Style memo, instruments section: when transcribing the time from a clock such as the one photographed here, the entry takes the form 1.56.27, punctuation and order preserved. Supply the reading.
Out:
9.41.16
